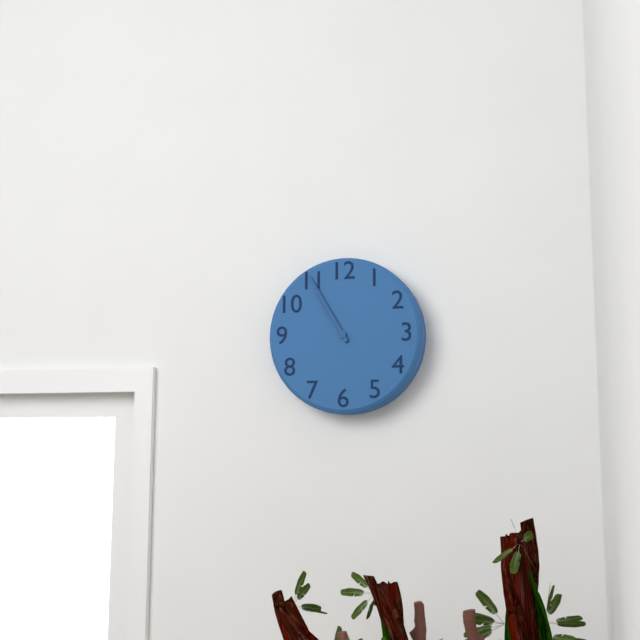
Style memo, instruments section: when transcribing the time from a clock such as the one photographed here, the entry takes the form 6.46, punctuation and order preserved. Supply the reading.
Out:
10.55
